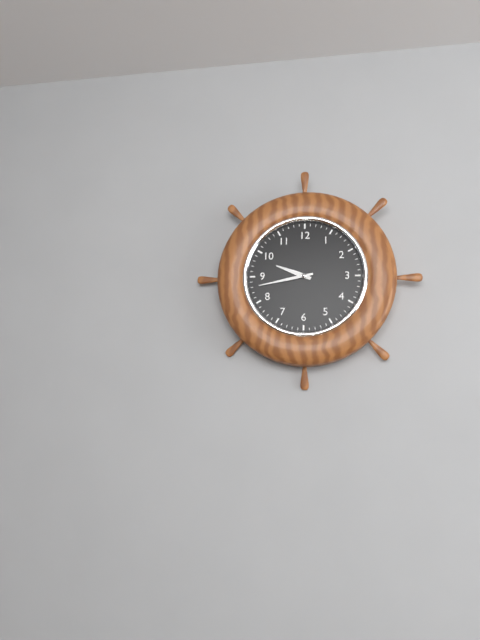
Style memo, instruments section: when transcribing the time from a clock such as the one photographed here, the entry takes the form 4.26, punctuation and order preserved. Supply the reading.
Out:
9.43
